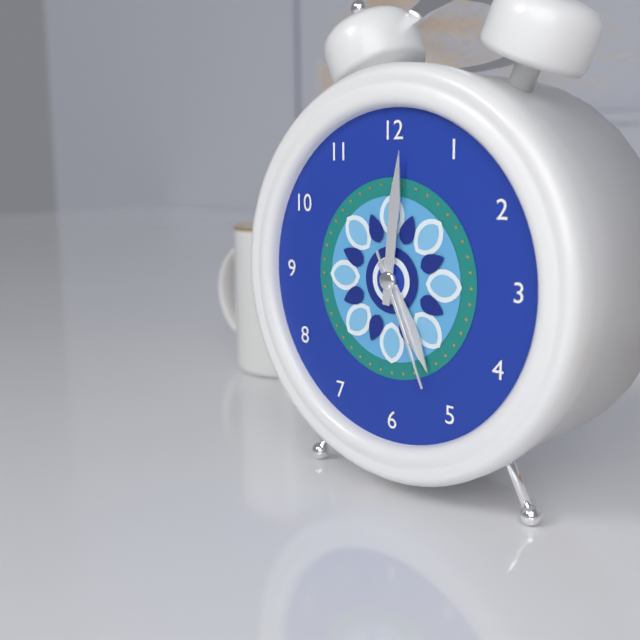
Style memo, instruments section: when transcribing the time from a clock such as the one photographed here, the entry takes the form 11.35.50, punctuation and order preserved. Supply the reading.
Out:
5.01.26
